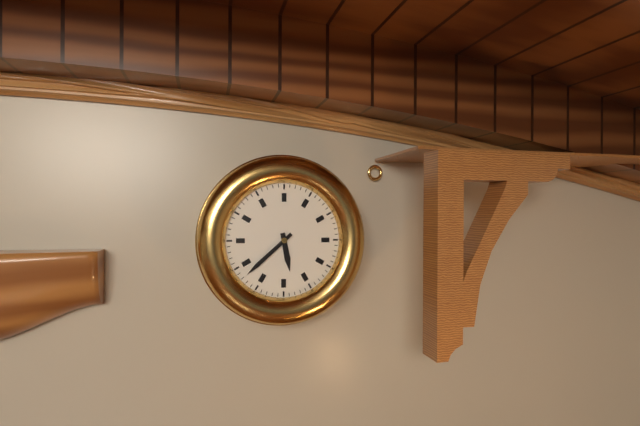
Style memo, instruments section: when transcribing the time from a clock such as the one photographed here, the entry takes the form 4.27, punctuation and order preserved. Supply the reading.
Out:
5.38
